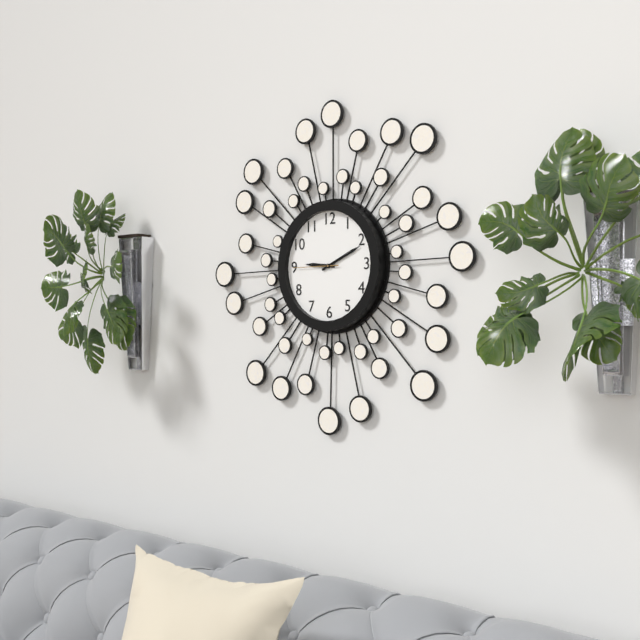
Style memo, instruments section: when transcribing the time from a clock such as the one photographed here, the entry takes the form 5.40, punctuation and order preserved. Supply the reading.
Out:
9.11
